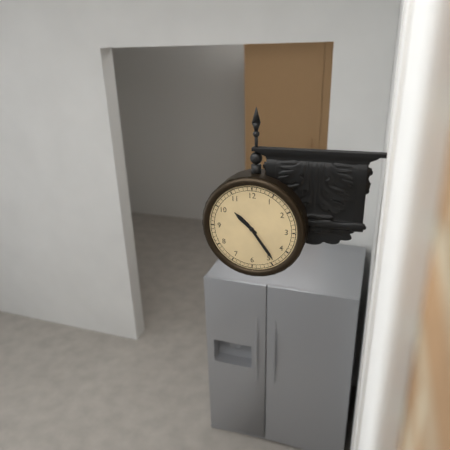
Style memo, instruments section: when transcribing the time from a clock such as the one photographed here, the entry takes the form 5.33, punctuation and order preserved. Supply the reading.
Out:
10.24
